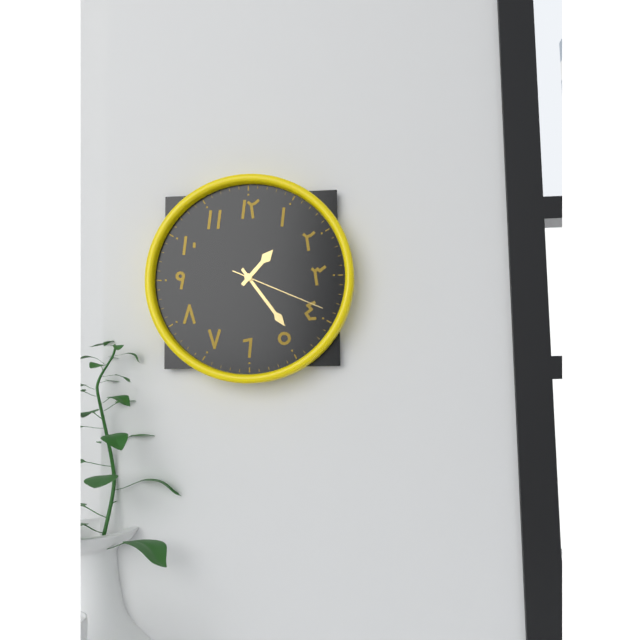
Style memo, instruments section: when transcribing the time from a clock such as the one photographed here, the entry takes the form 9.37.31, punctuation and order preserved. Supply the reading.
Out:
1.24.19
